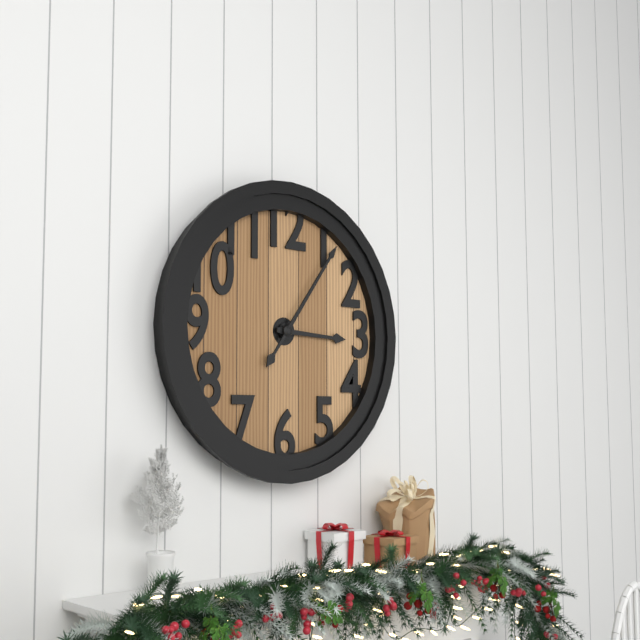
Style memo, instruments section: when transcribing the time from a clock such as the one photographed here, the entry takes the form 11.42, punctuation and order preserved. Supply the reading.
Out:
3.06
